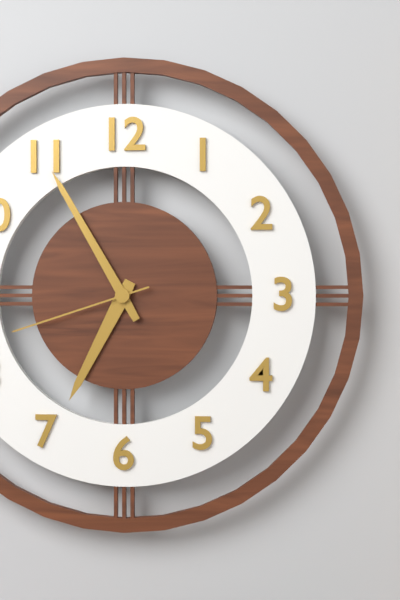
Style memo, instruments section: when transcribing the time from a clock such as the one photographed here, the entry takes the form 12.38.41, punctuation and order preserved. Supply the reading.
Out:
6.55.42
